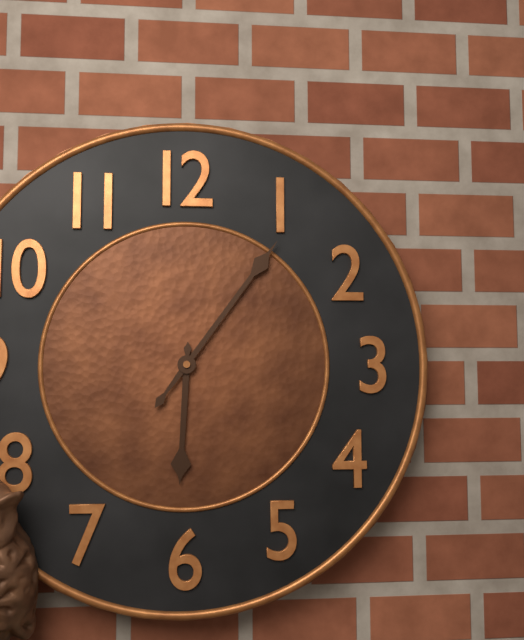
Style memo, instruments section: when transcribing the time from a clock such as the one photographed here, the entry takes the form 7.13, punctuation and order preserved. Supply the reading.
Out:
6.06
